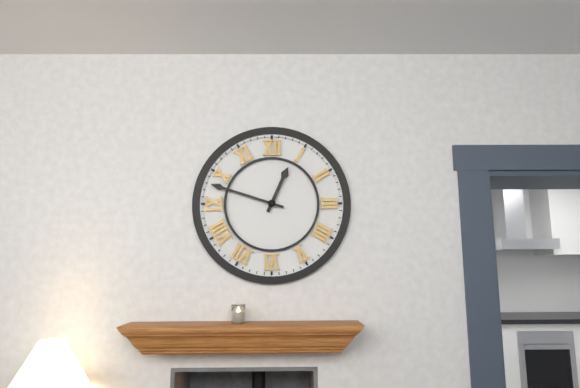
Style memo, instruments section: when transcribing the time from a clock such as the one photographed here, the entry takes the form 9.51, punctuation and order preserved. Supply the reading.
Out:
12.48
